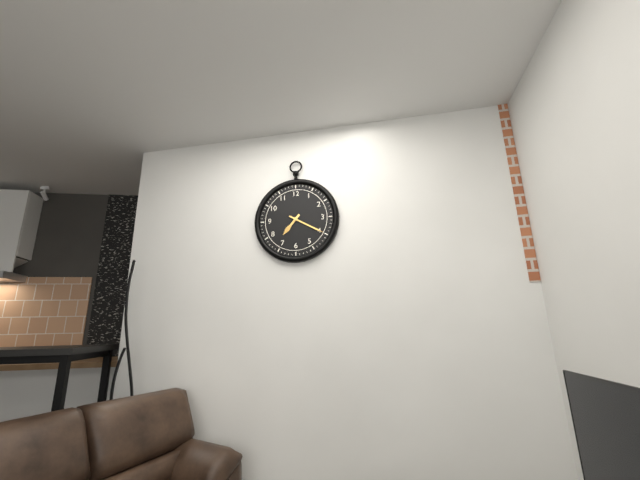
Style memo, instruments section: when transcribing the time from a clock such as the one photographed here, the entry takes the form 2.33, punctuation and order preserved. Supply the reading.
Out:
7.20
